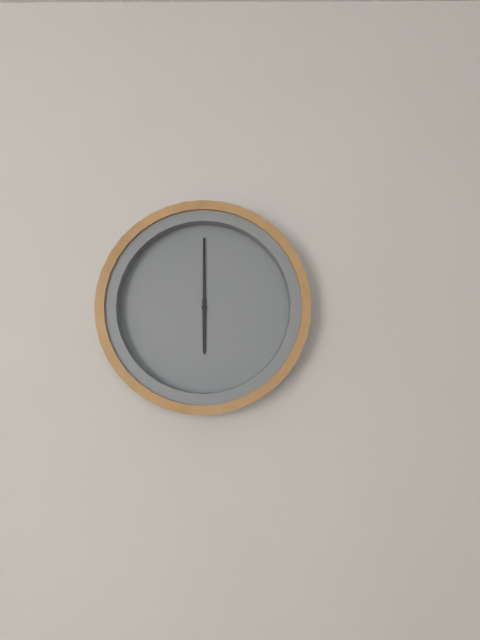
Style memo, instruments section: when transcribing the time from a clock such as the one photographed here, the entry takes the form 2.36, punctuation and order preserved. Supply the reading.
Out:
6.00
